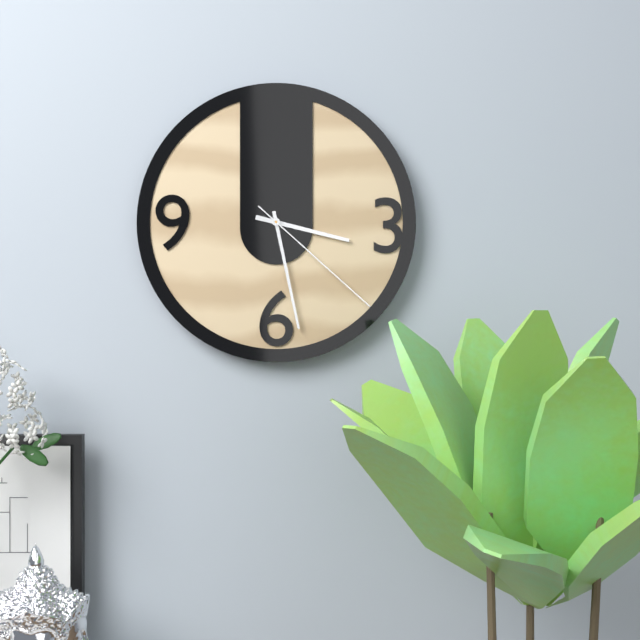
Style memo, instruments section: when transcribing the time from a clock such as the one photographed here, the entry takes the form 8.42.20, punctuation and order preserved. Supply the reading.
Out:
3.28.22
